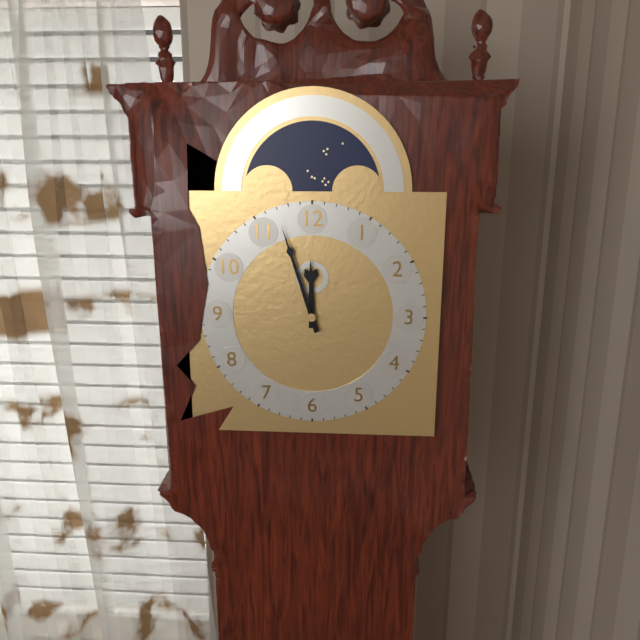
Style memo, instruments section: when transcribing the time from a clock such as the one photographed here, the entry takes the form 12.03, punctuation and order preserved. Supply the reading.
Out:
11.57
